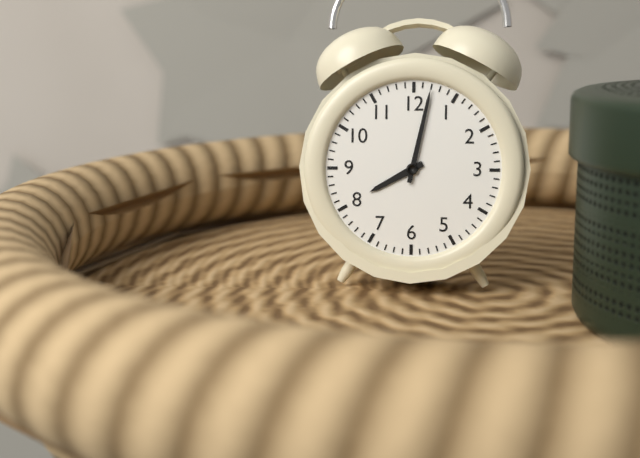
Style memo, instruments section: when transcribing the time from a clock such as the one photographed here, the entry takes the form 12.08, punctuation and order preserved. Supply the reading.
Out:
8.02
